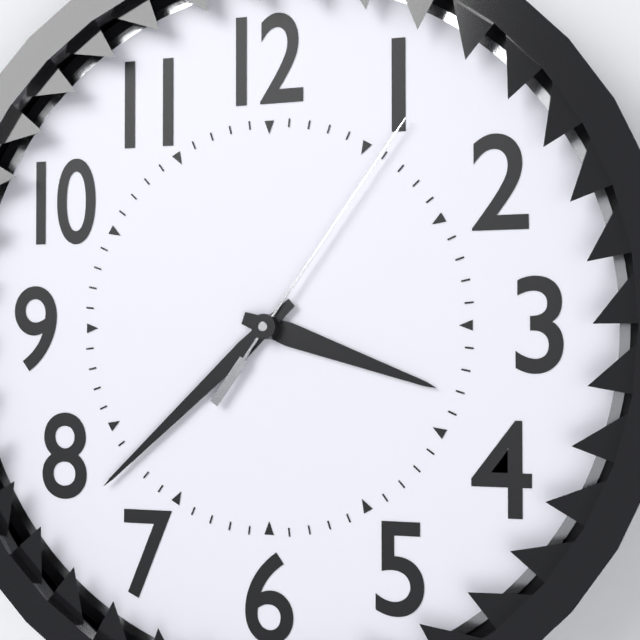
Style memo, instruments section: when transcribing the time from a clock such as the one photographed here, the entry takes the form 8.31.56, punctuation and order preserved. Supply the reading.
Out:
3.38.06
